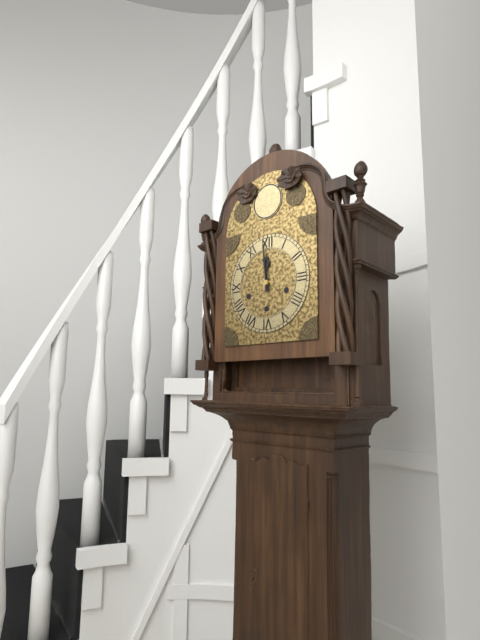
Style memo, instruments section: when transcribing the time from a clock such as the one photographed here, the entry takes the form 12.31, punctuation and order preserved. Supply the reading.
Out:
11.59
